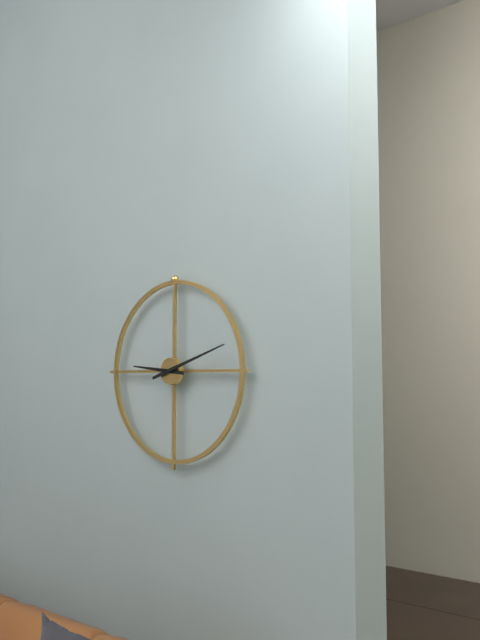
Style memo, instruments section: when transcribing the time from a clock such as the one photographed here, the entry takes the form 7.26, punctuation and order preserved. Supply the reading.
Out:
9.12
